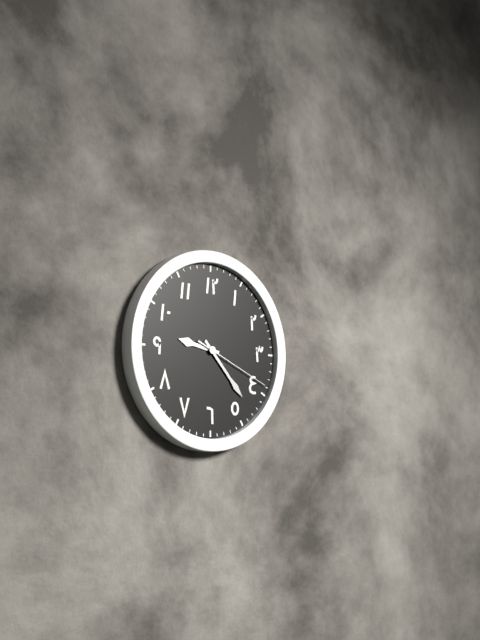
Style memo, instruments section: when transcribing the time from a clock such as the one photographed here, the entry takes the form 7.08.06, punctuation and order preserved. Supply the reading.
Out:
9.23.19
